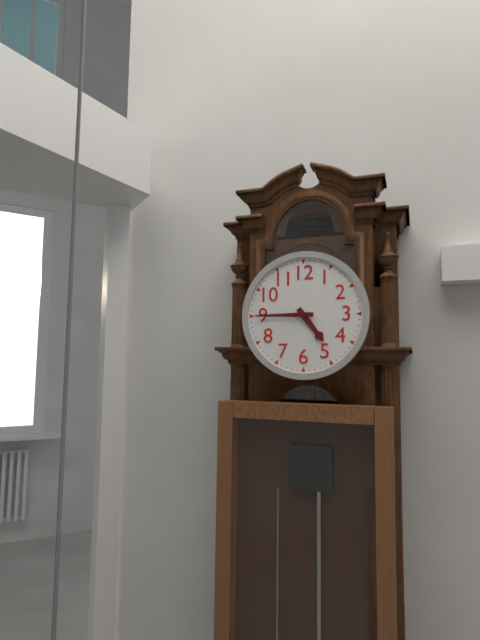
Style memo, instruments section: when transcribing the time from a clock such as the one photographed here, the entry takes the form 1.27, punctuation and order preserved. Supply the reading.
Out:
4.45
